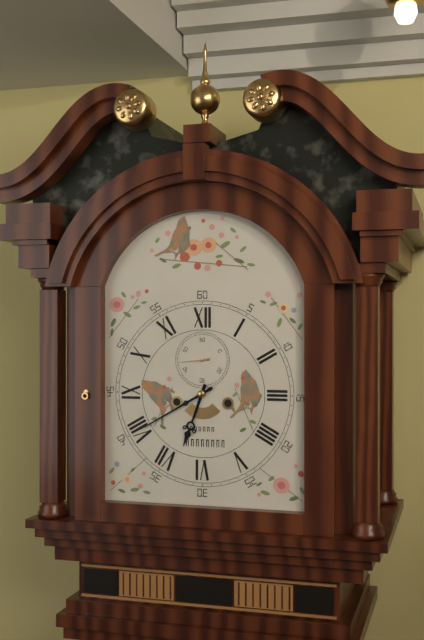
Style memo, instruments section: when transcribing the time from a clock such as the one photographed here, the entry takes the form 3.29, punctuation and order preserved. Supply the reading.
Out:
6.40
